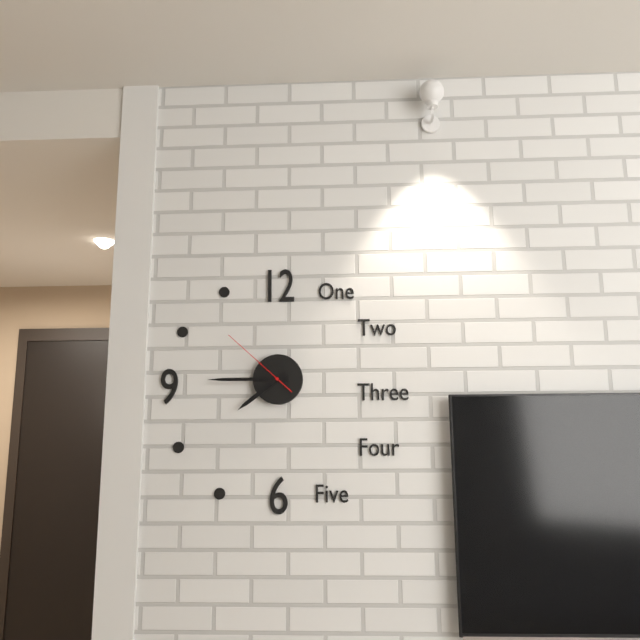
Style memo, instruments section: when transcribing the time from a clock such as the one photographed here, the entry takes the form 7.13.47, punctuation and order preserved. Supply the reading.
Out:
7.45.52
